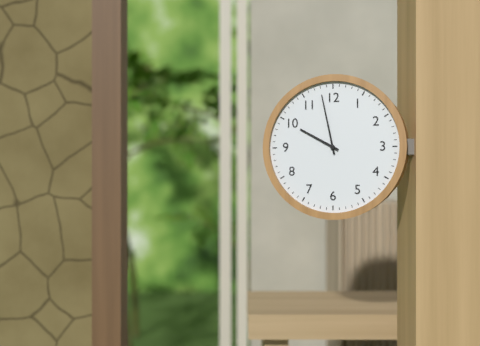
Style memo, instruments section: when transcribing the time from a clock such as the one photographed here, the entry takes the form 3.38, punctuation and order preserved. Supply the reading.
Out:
9.58
